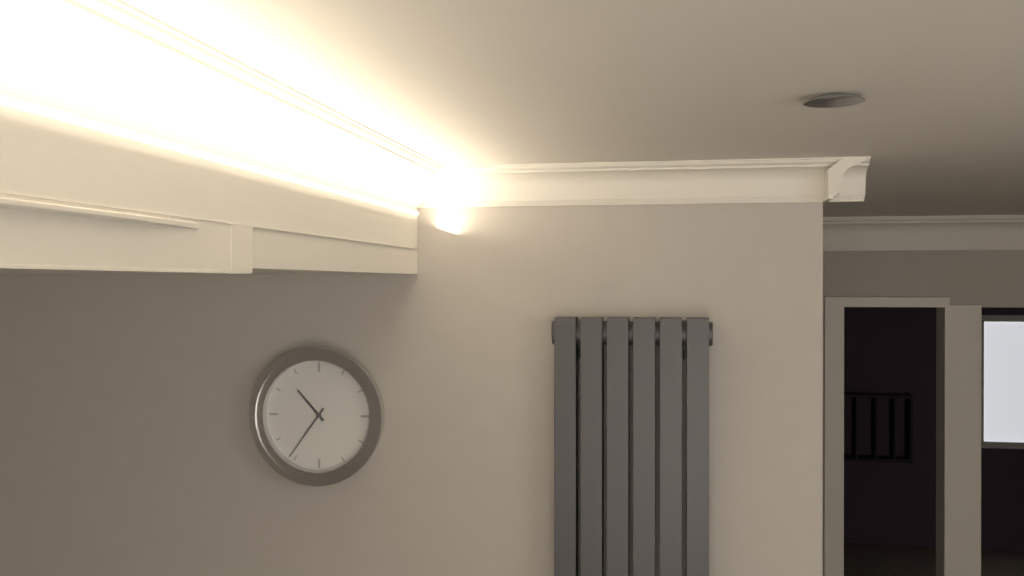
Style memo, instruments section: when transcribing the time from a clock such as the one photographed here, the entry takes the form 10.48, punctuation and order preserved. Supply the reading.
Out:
10.36
